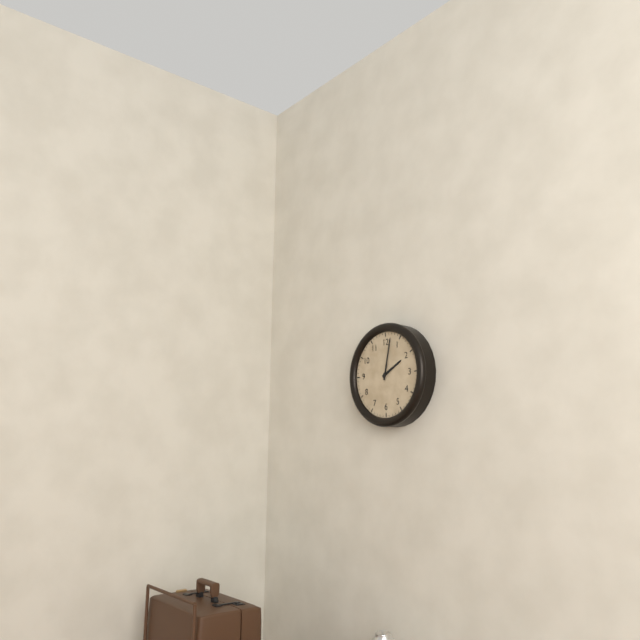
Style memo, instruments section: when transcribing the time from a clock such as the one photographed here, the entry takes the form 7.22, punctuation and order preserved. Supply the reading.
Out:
2.02
